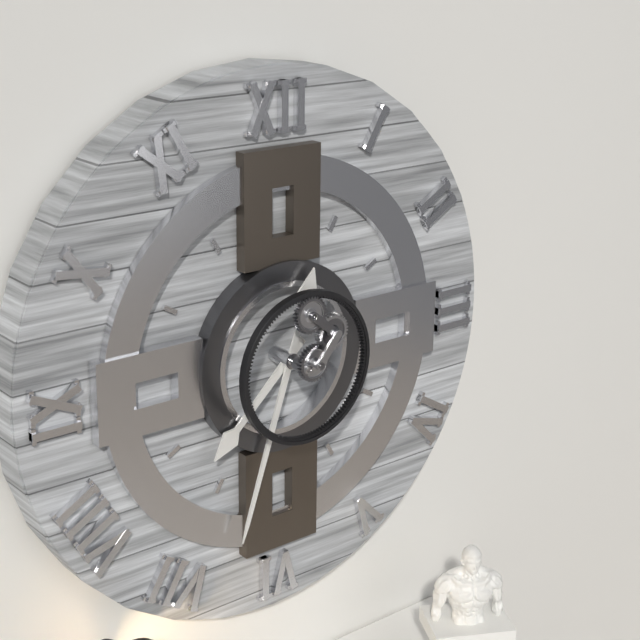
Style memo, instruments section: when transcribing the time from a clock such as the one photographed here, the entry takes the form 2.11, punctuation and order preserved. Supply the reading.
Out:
7.33
